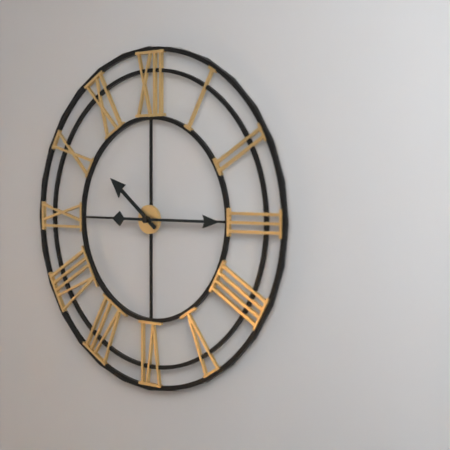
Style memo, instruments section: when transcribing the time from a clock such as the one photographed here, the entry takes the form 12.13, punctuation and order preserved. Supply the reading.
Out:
10.15
